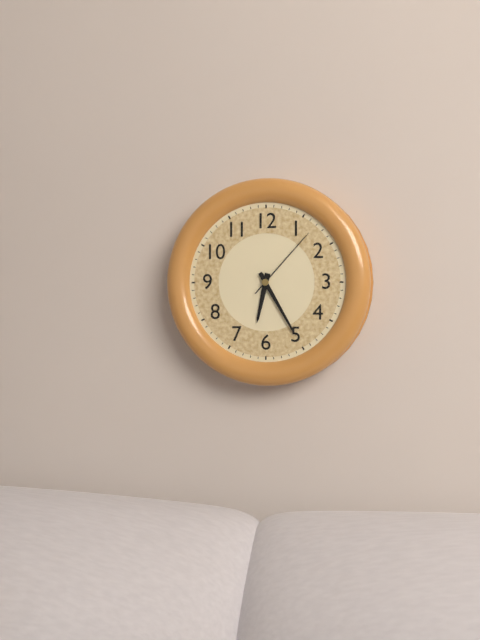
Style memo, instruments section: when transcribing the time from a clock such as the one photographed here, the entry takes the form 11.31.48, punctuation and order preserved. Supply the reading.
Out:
6.25.07
